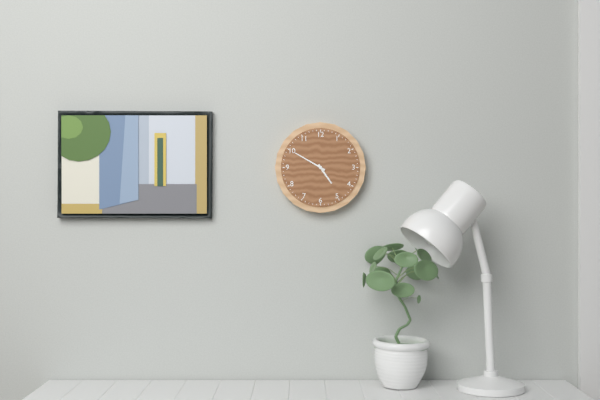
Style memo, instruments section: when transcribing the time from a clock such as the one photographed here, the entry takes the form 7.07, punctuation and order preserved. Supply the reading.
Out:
4.50
